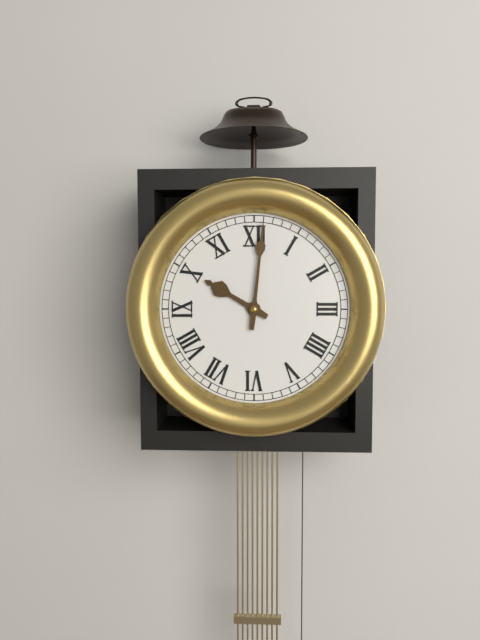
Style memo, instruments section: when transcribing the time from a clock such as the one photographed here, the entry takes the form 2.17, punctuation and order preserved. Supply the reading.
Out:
10.01
